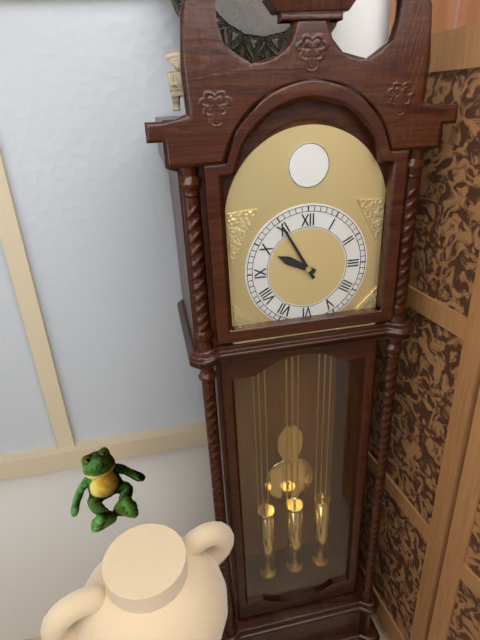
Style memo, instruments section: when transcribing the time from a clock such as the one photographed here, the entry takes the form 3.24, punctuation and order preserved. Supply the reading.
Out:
9.55
